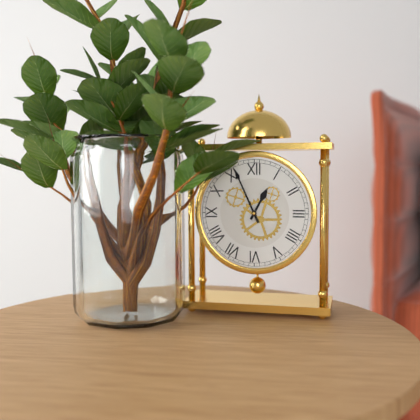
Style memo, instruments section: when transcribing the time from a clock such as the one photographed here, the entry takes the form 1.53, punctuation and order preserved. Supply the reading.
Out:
12.56
